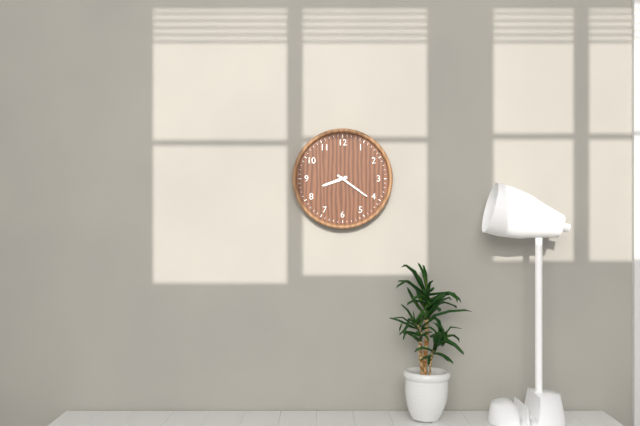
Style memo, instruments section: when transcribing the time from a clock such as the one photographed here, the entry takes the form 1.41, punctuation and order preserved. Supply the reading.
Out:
8.21
